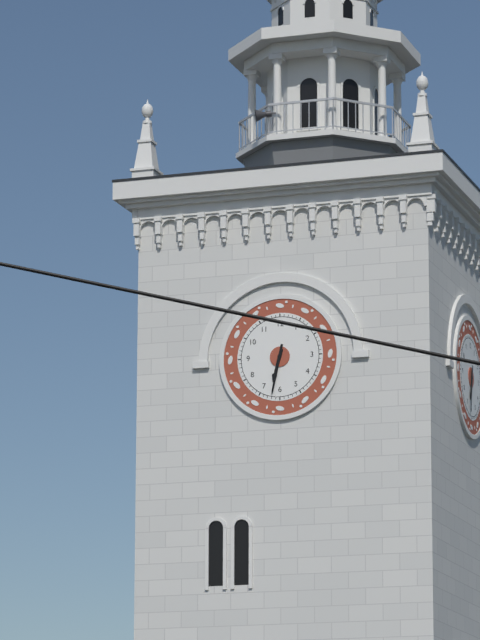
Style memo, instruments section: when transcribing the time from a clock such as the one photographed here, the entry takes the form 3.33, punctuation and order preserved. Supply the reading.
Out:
6.32
